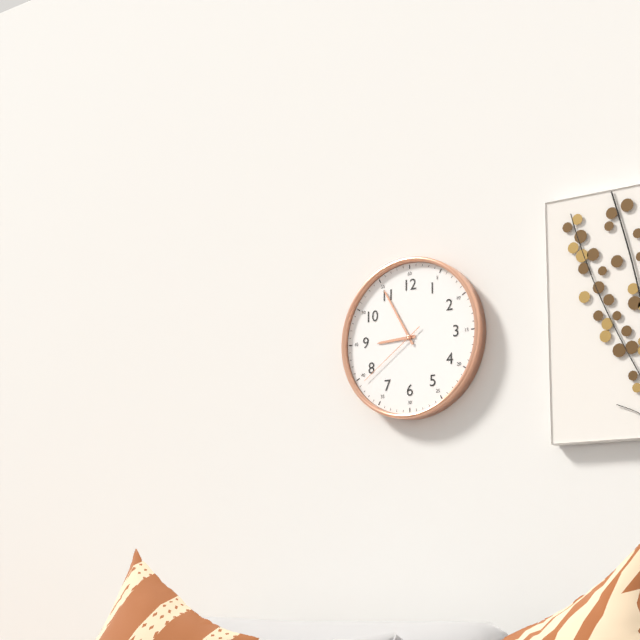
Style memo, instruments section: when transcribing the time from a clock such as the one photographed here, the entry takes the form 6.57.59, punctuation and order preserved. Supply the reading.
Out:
8.55.39
